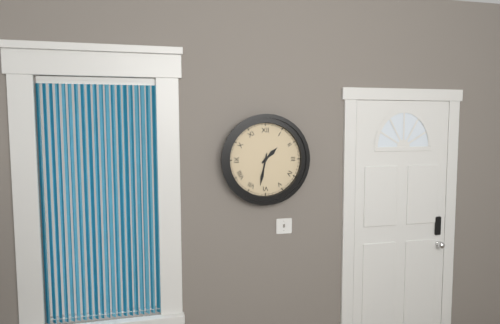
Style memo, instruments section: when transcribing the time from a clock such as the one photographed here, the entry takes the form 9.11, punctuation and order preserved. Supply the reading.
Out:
1.32
